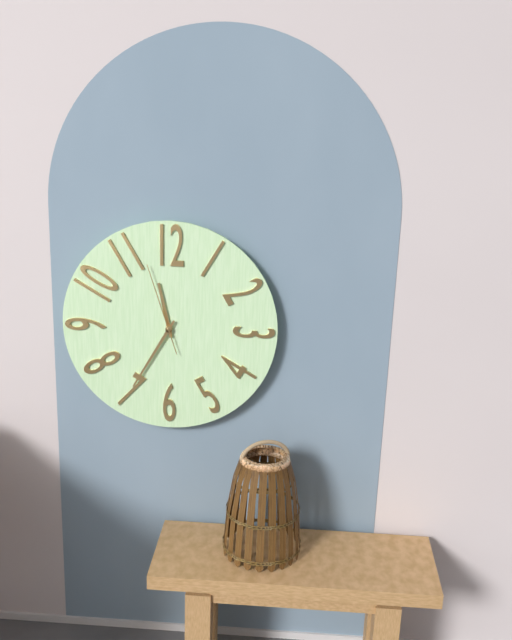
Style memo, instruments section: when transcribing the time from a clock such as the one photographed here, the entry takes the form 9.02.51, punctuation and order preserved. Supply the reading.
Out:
11.35.57
